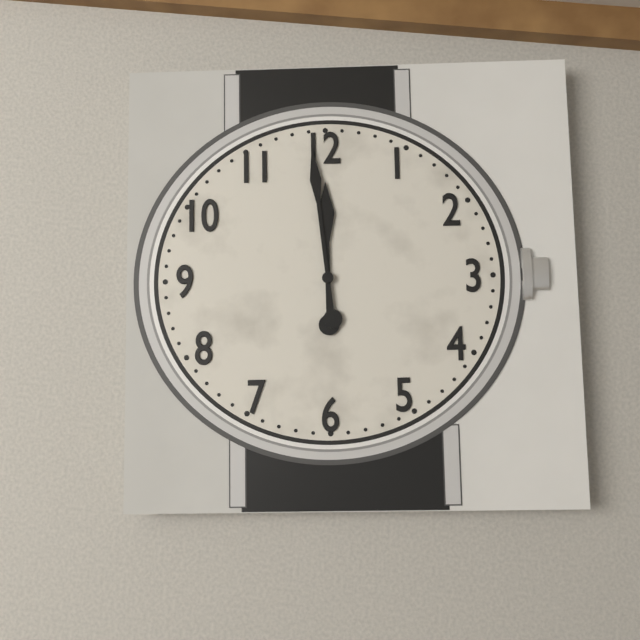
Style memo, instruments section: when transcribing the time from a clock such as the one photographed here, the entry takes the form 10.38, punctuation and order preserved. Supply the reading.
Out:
11.59
